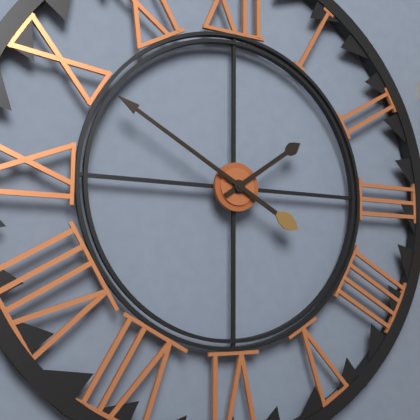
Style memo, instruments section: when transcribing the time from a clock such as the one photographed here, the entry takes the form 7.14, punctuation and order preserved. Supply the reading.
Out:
1.50
